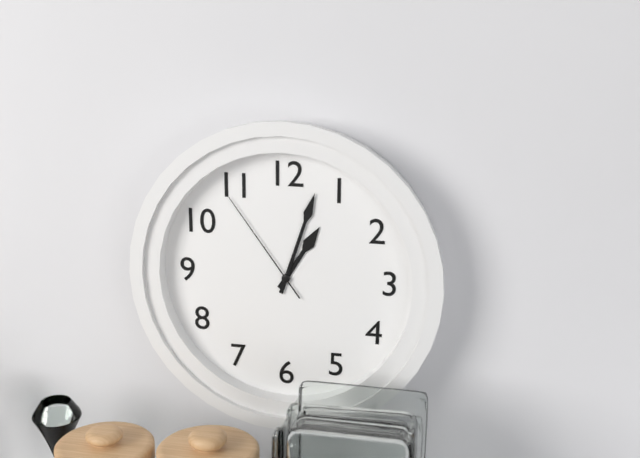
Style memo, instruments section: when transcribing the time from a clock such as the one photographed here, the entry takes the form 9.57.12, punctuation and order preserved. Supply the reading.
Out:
1.03.54
